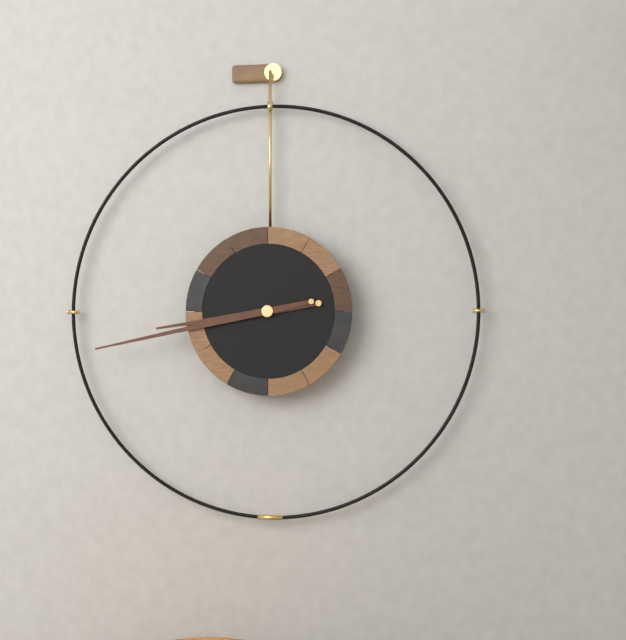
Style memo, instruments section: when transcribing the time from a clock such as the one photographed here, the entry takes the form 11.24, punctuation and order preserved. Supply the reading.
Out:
8.43
